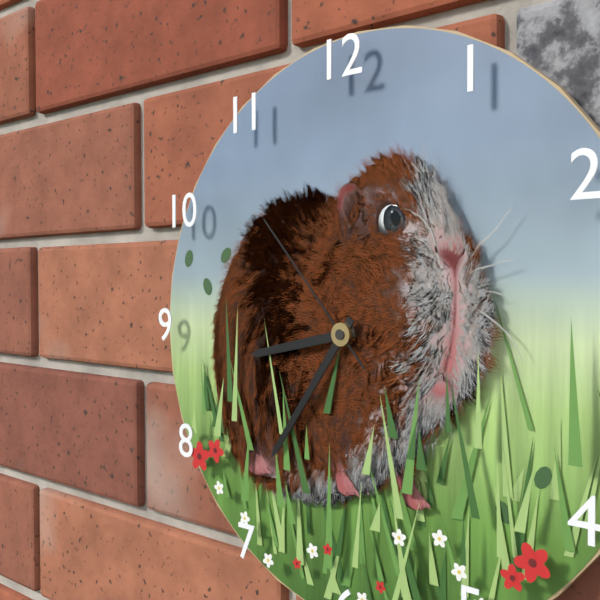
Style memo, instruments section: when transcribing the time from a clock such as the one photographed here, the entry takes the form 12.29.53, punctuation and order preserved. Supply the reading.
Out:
8.36.53
